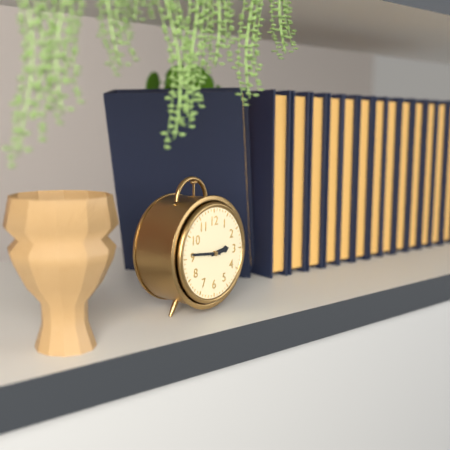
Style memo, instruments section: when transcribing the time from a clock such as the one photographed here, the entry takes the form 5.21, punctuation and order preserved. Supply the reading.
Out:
2.46
